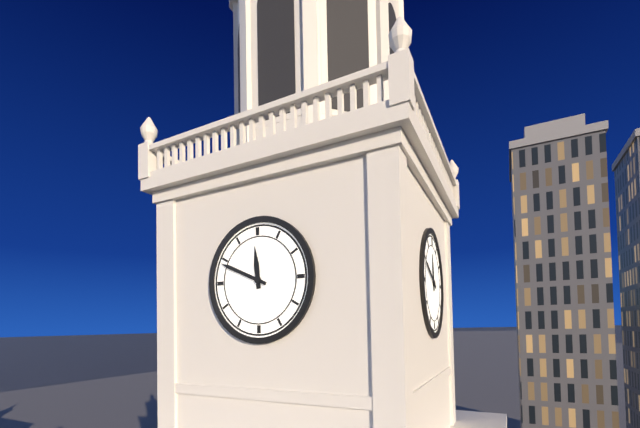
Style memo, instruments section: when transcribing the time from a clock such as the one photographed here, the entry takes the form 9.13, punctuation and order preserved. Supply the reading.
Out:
11.49
